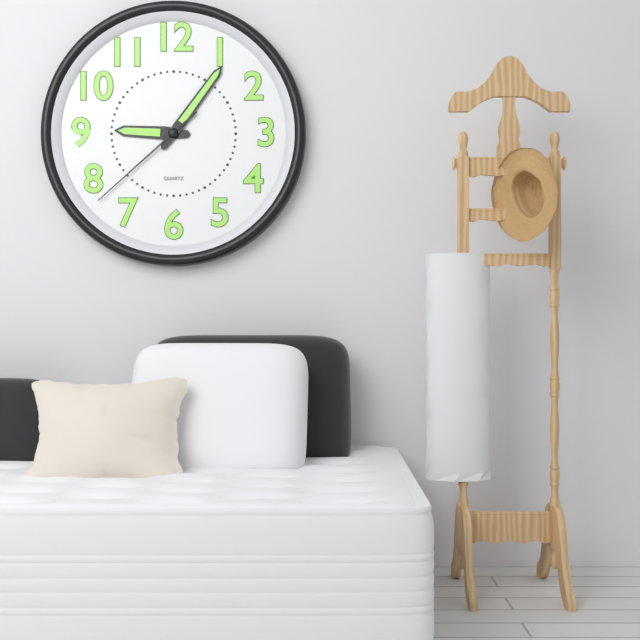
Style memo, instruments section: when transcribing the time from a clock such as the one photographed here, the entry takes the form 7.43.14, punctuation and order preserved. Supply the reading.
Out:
9.06.38
